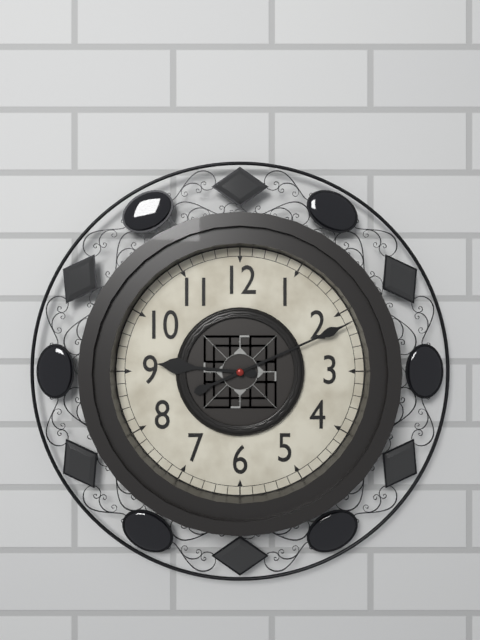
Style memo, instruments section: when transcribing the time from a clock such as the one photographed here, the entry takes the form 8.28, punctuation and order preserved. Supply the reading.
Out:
9.11
